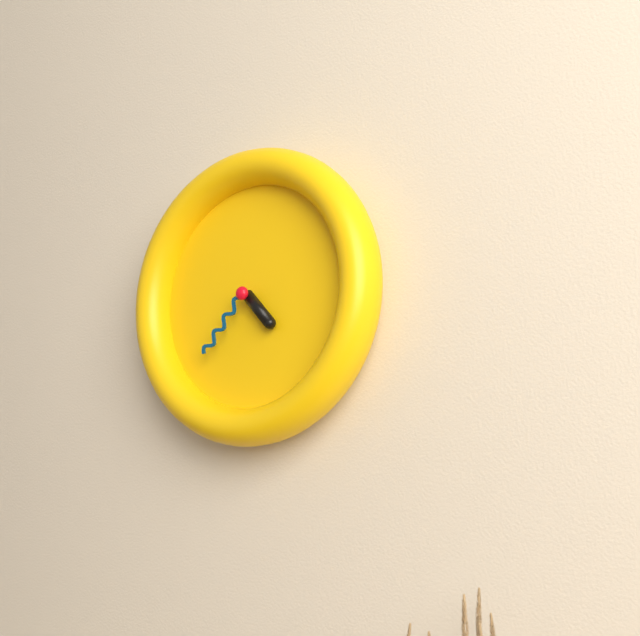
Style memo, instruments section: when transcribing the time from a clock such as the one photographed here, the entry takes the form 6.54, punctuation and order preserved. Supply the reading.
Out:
4.37
